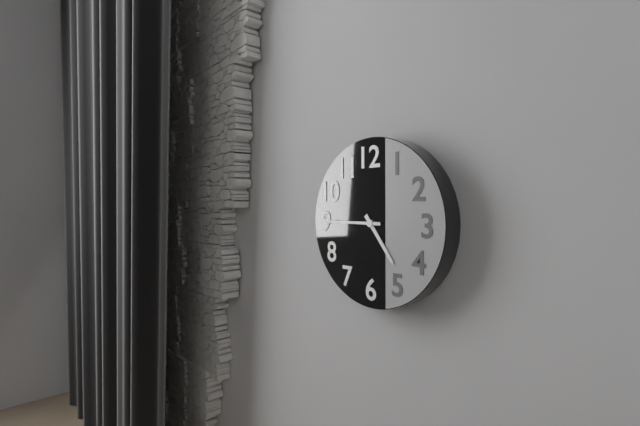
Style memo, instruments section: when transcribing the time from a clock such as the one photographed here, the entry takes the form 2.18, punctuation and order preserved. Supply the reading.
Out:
4.45
